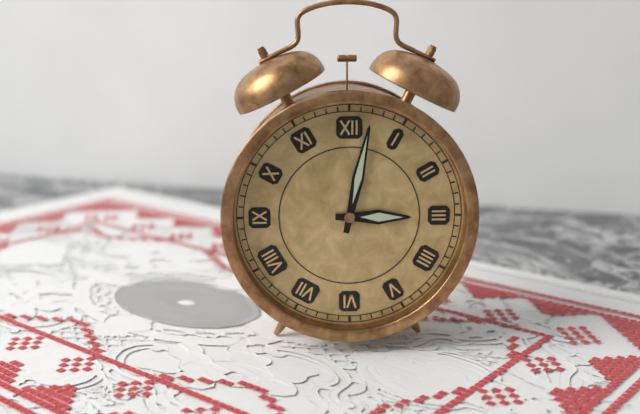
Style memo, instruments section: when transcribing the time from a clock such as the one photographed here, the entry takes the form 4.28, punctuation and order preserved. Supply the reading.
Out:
3.02
